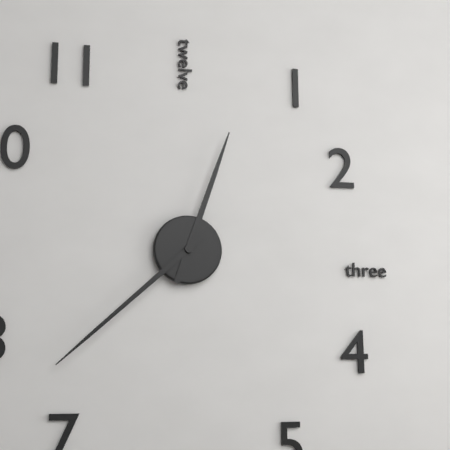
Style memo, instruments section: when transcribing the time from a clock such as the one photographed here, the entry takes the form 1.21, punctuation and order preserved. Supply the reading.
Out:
12.38
